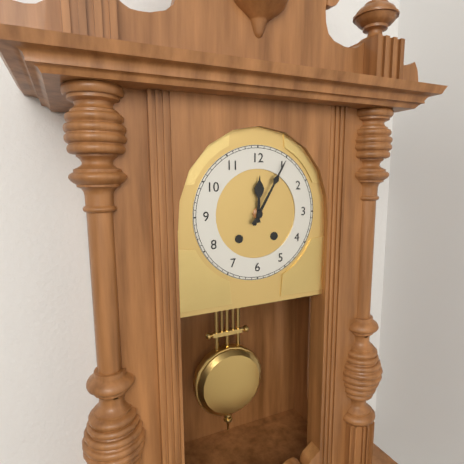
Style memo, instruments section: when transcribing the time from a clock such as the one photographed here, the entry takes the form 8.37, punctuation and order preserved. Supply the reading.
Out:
12.05
